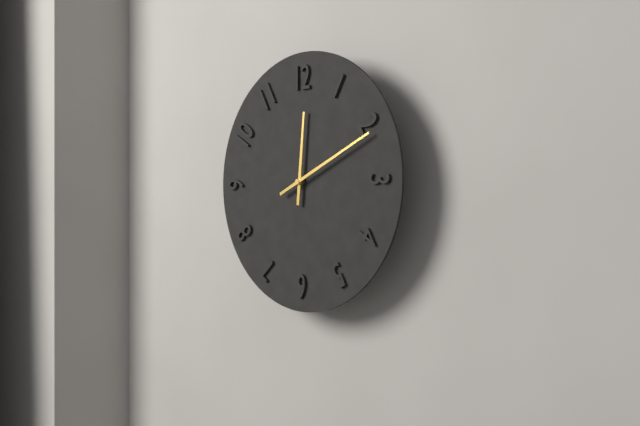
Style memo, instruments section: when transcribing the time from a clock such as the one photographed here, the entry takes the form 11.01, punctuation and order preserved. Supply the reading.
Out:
12.11
